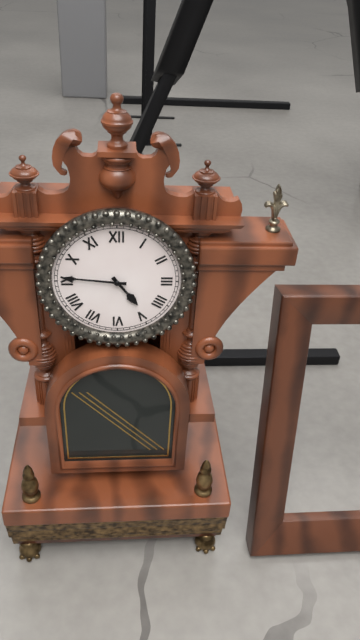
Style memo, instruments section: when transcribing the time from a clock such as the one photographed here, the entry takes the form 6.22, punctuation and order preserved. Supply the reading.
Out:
4.46
